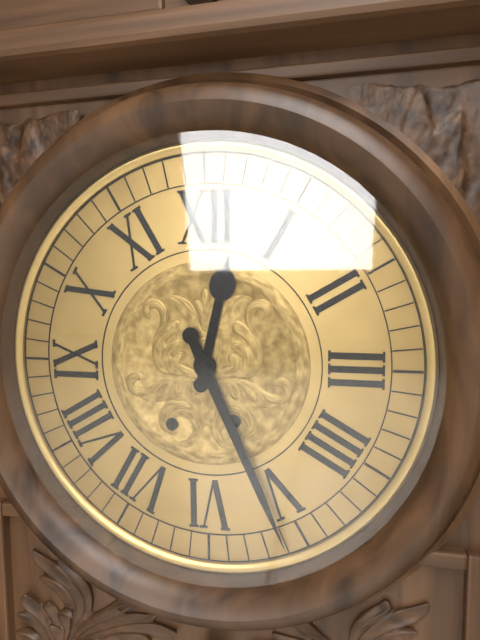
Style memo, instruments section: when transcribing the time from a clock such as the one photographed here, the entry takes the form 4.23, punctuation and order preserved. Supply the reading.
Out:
12.26
